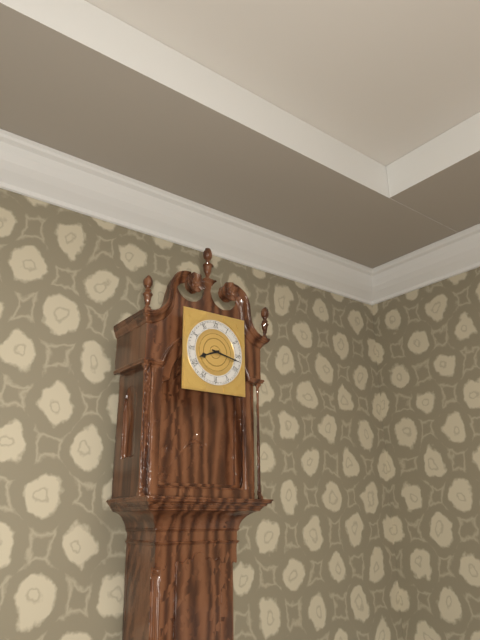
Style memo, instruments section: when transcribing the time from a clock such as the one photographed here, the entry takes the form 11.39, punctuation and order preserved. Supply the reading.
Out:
8.17
